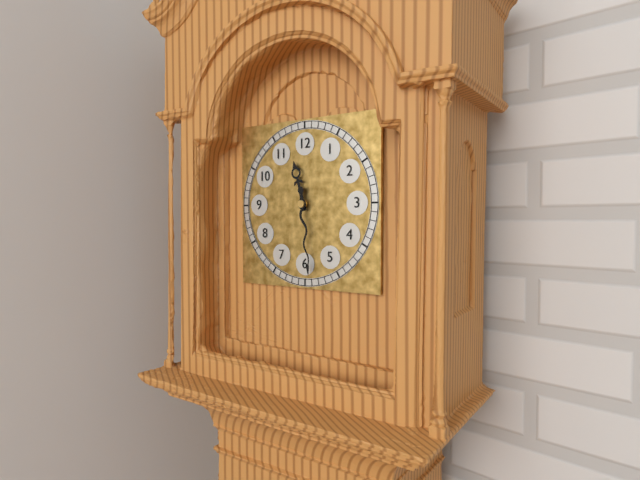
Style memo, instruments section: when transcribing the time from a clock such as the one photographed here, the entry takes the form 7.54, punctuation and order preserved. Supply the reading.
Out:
11.29
